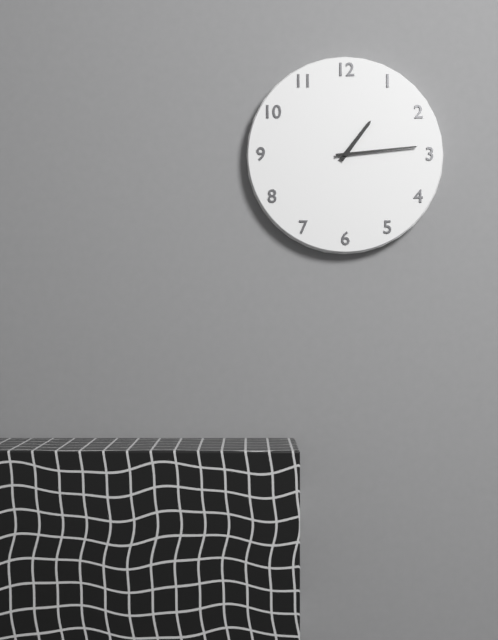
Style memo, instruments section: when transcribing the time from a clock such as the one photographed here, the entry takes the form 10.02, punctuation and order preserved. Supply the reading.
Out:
1.14
